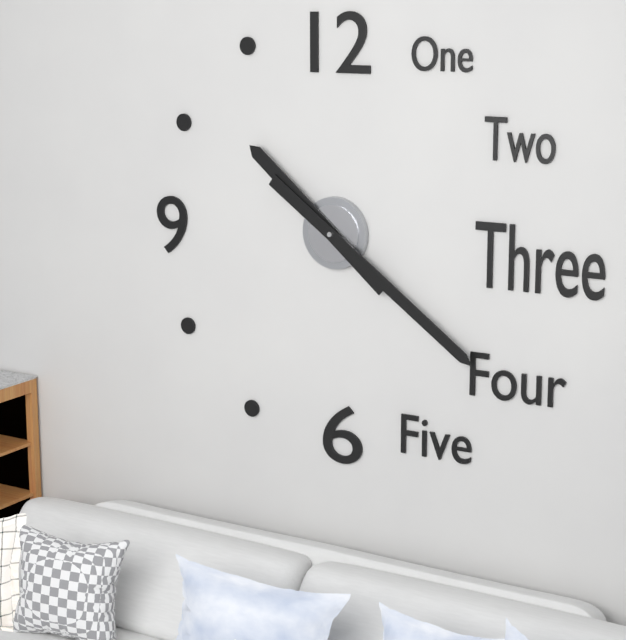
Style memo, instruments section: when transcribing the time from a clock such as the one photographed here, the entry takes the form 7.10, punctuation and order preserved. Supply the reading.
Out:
10.21
